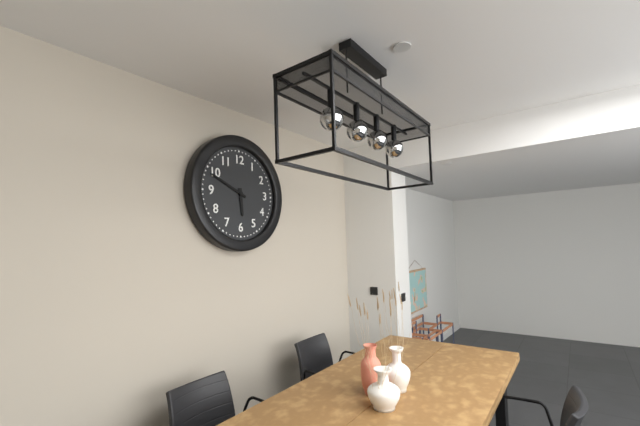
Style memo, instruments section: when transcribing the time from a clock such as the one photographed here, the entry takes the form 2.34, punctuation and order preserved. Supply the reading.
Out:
5.49
